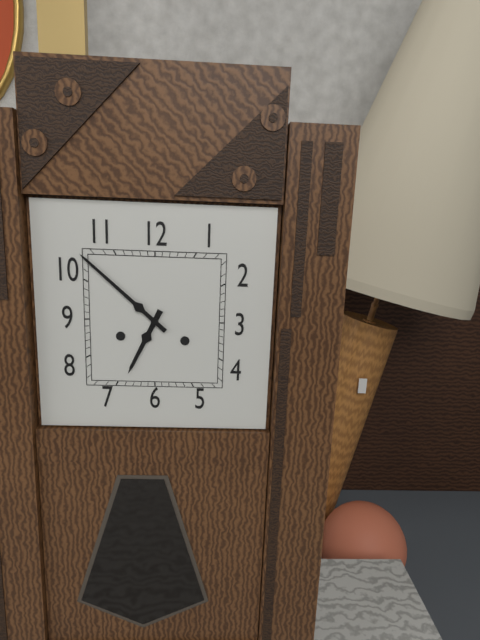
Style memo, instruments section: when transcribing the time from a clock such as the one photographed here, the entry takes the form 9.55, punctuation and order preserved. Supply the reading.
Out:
6.52
